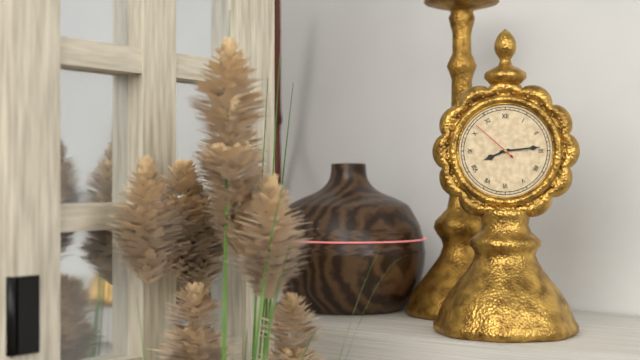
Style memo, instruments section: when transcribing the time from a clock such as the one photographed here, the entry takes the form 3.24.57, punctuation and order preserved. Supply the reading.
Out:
8.14.52
